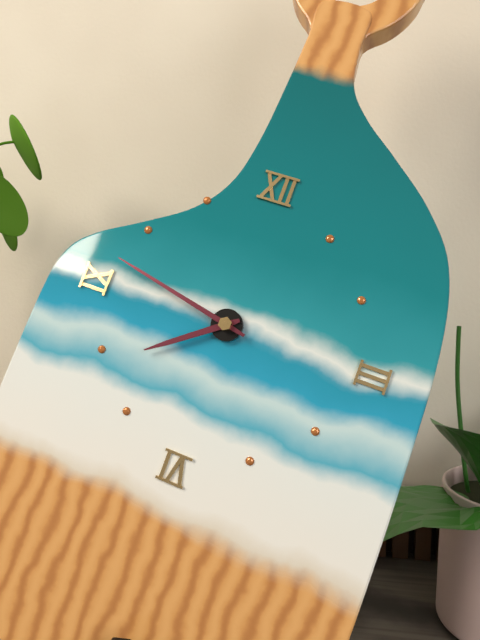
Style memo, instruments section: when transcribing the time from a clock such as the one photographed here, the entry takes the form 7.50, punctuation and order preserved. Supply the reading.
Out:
7.47
